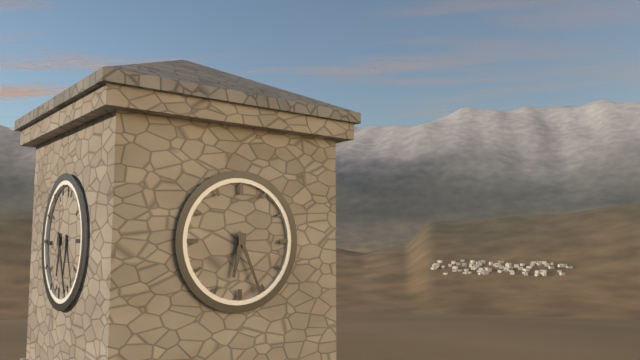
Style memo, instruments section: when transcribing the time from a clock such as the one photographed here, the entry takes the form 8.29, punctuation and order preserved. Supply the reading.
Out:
6.26
